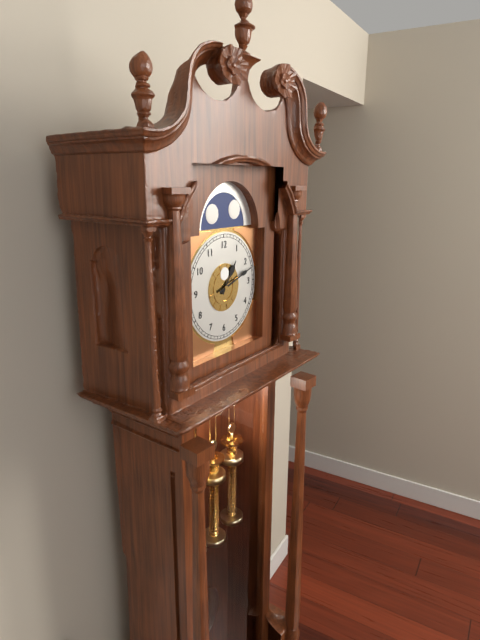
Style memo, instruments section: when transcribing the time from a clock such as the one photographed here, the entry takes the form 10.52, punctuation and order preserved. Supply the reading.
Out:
1.12
